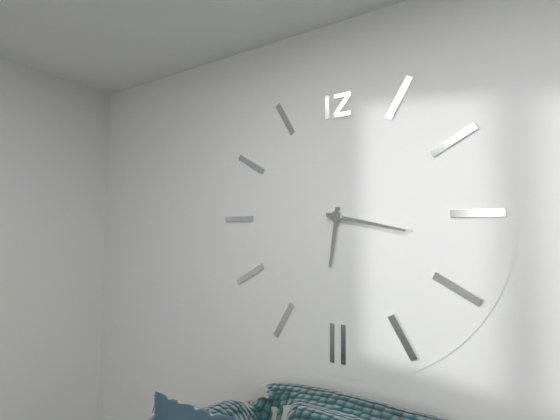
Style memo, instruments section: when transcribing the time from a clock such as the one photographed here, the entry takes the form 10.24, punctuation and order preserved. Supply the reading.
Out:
6.17
